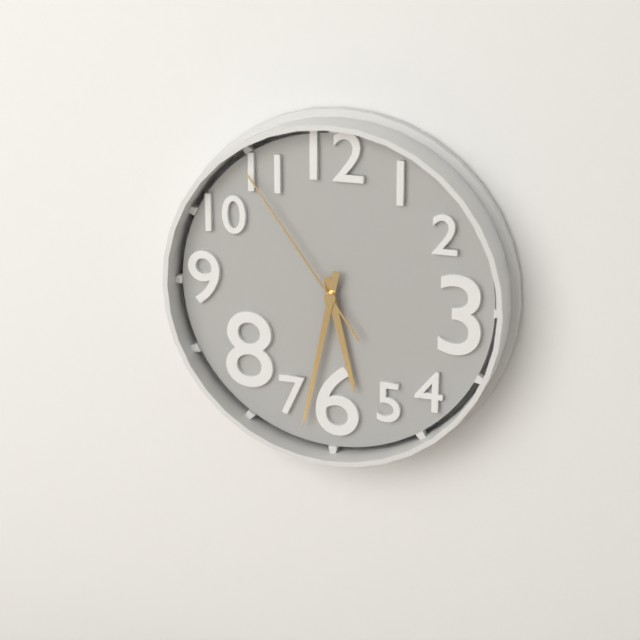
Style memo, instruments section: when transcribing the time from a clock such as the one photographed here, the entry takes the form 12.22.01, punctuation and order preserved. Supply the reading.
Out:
5.32.54
